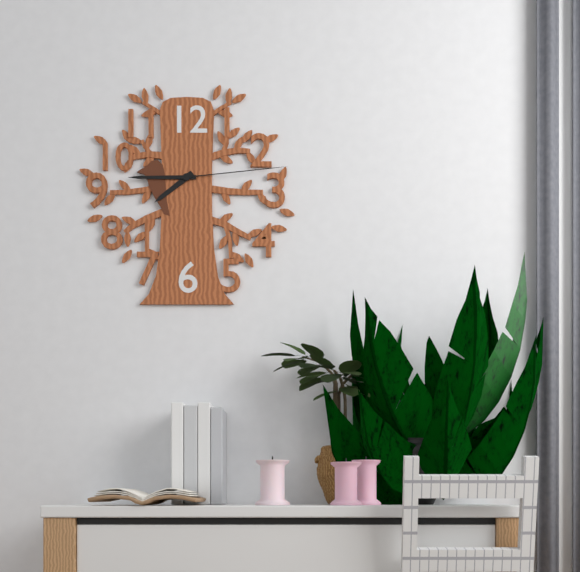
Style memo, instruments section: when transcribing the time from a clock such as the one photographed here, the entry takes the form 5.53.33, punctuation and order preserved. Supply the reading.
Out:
7.45.14
